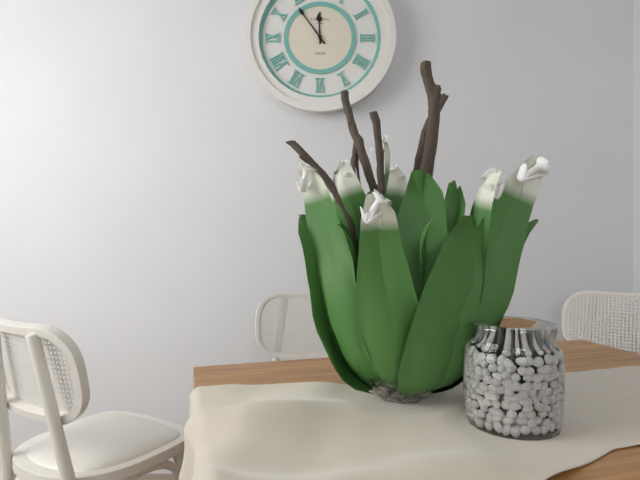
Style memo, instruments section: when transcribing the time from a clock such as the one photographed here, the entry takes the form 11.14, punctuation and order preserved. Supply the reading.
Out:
11.54
